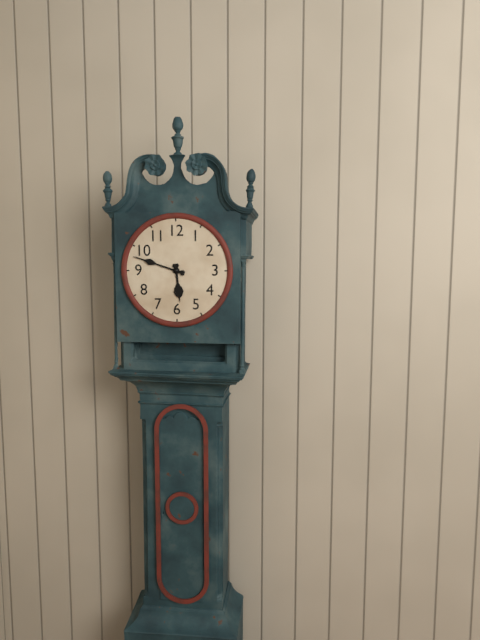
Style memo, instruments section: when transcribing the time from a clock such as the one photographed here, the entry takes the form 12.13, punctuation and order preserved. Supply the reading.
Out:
5.48
